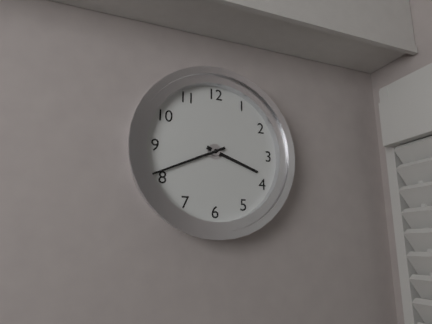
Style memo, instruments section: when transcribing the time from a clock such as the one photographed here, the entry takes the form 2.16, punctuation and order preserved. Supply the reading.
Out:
3.41
